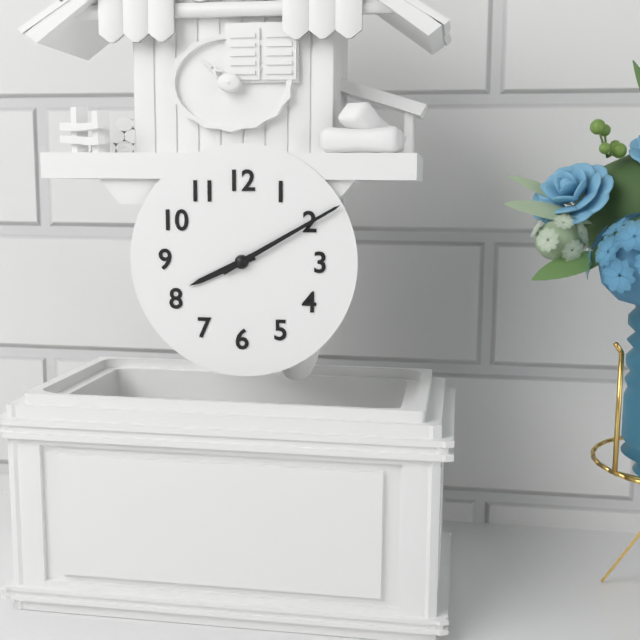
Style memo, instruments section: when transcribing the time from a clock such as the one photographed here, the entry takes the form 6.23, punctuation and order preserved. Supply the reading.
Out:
8.10
